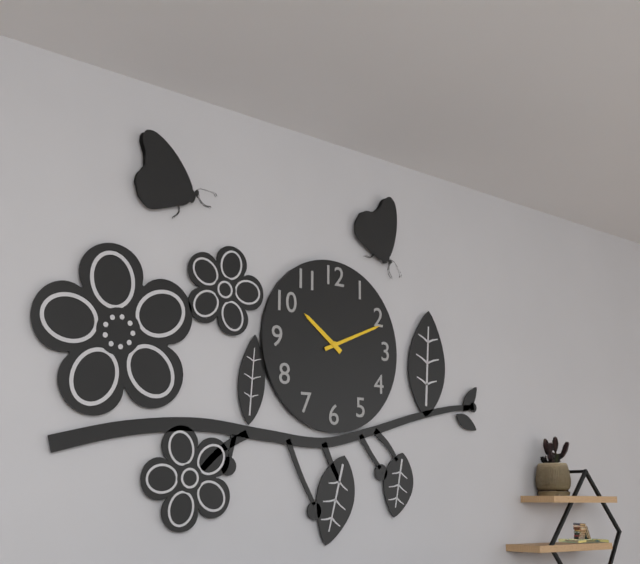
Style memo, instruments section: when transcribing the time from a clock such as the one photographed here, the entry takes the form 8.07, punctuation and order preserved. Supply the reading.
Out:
10.11
